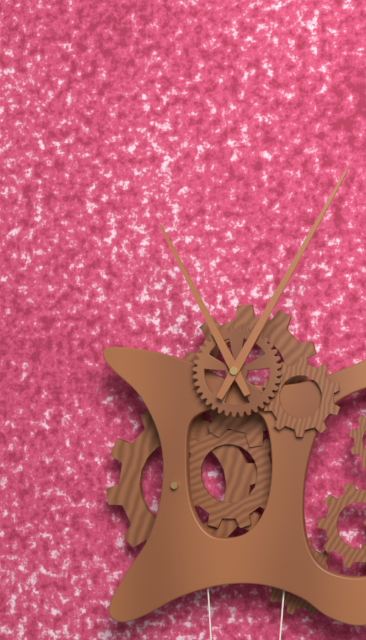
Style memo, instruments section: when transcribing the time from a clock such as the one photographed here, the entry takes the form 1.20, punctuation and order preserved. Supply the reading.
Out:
11.05
